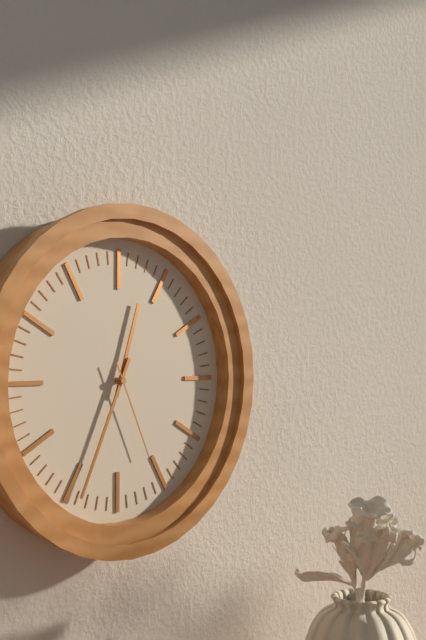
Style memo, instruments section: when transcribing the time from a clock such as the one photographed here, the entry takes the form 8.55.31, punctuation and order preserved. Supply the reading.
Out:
12.34.26
